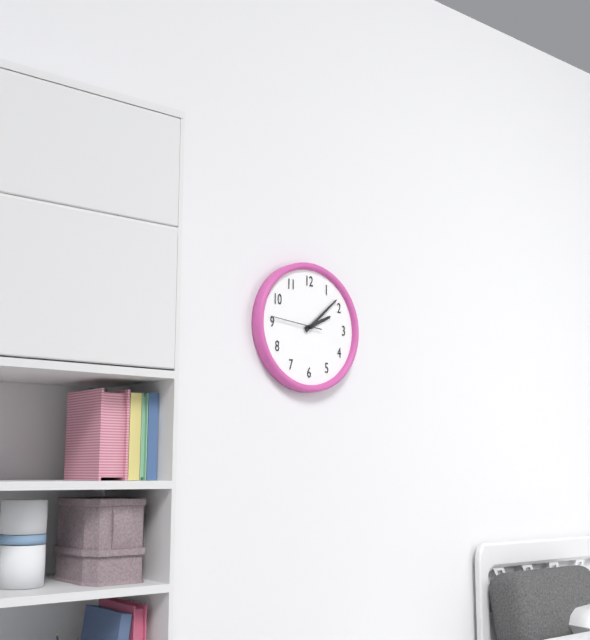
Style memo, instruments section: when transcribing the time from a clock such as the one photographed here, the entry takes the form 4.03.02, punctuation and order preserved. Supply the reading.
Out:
2.08.46
